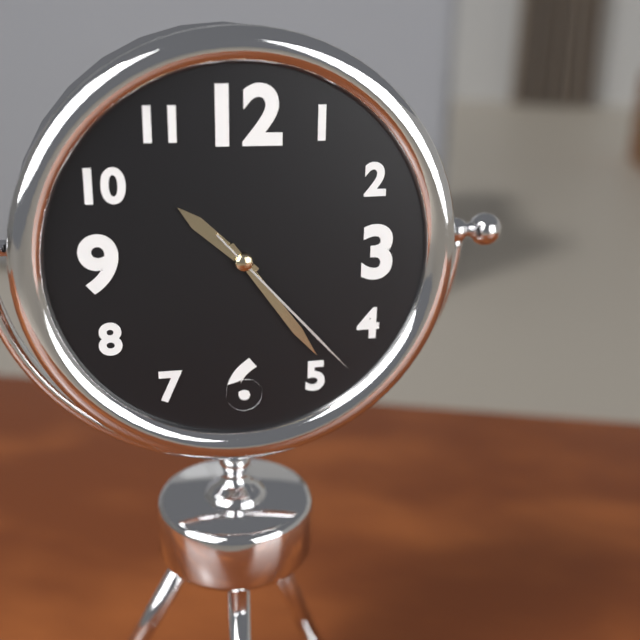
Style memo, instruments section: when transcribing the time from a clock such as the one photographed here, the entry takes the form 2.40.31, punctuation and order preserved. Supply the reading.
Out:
10.24.23
